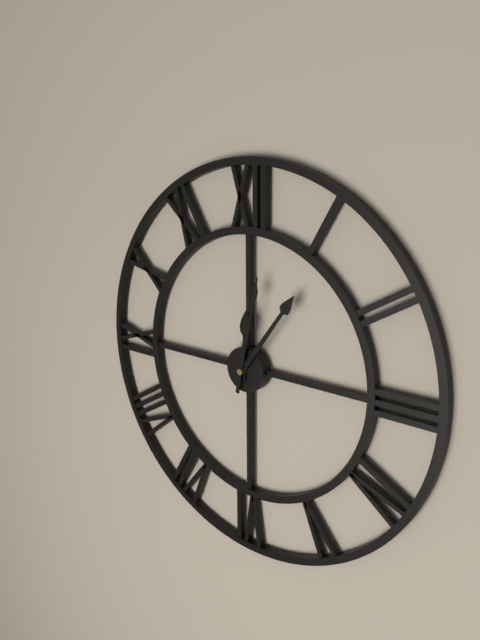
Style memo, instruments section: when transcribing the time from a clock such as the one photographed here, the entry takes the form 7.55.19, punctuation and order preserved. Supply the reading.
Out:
12.06.02
